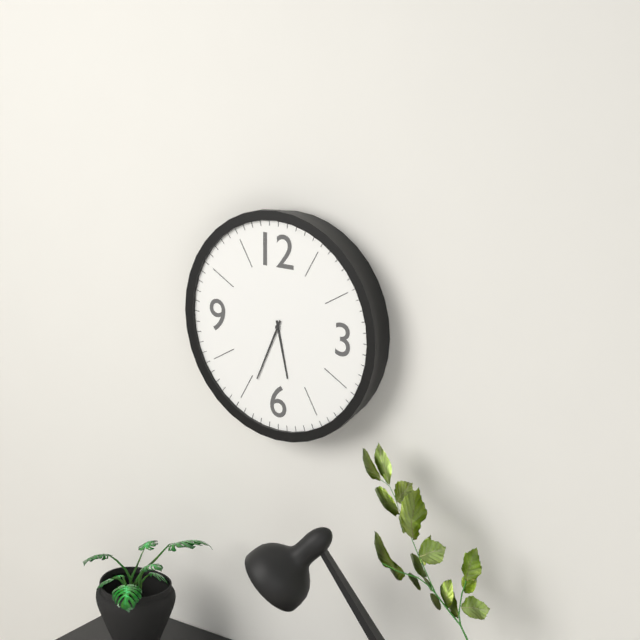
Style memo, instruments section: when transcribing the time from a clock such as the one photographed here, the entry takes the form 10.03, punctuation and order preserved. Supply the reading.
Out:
5.34
